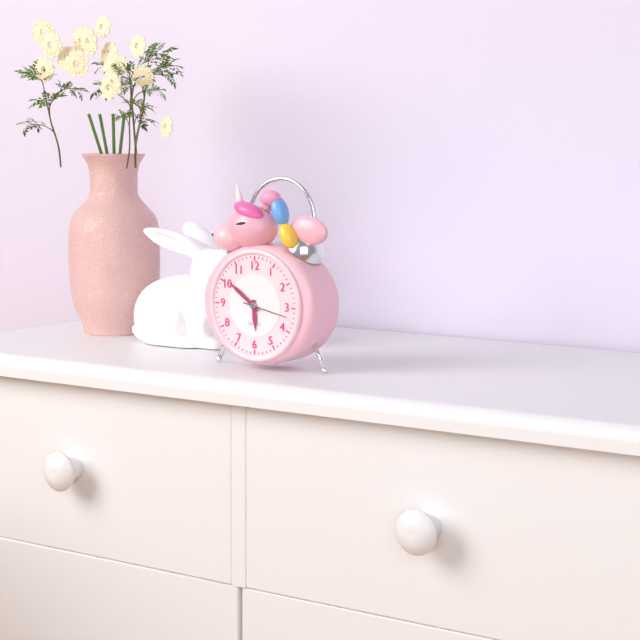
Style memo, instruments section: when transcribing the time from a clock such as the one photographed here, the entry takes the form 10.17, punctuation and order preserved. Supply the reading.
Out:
5.51
